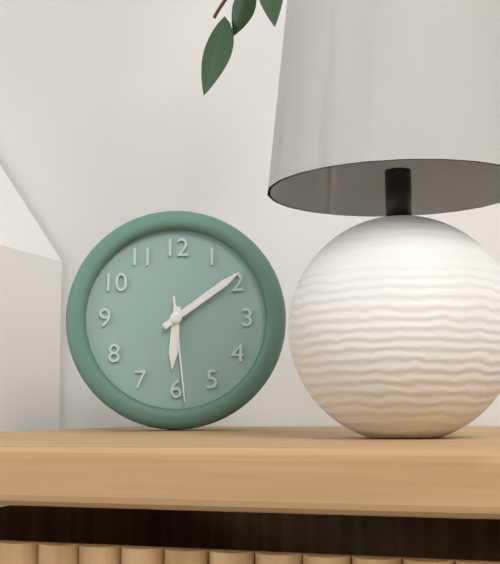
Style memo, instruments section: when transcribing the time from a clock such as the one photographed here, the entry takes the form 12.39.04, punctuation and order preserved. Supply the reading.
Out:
6.09.29
